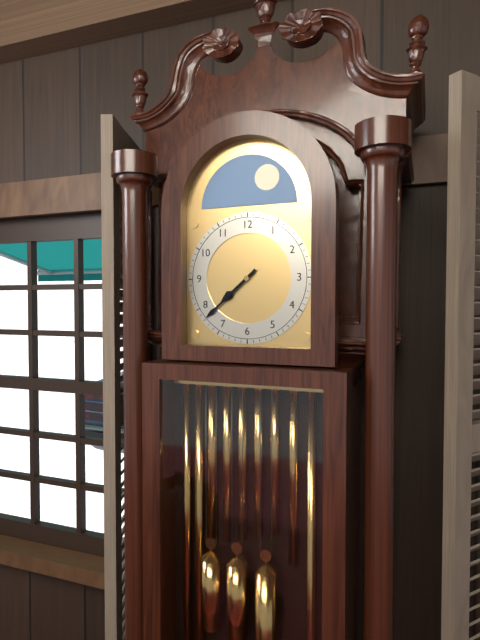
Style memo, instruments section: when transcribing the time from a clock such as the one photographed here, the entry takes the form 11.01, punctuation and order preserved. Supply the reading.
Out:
7.38
